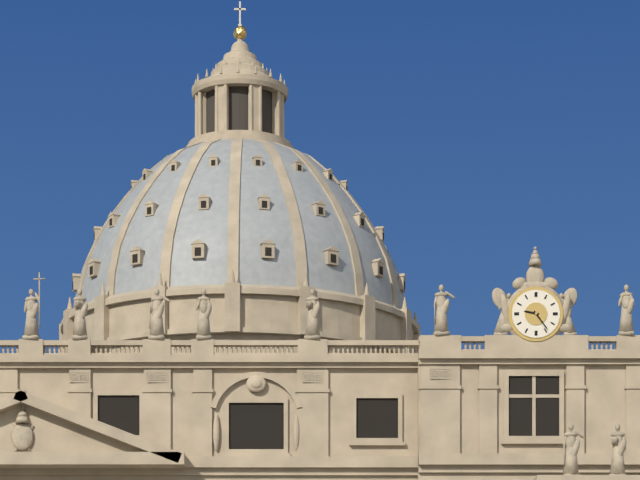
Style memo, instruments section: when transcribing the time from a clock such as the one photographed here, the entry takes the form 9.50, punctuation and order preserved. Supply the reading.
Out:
9.24
